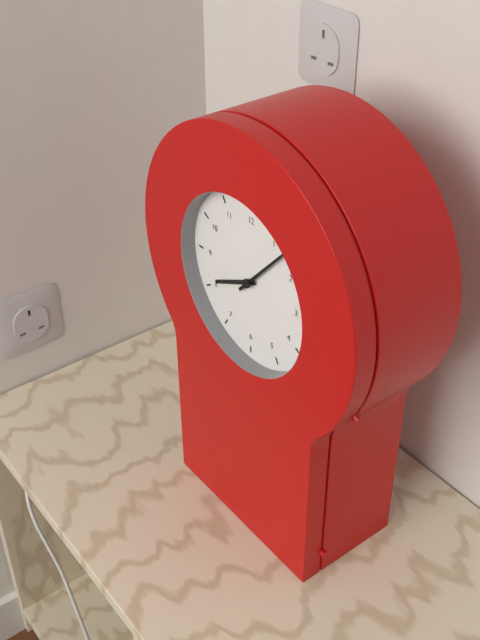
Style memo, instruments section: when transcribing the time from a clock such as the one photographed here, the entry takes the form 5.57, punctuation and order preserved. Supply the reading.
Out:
8.07
